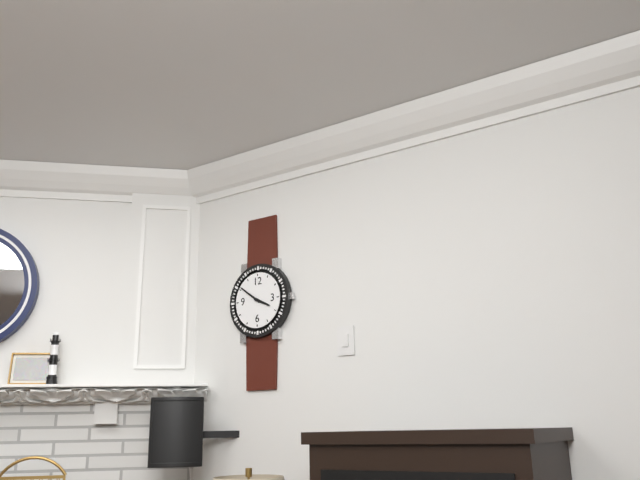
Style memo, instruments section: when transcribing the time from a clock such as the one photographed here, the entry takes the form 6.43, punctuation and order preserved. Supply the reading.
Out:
3.51
